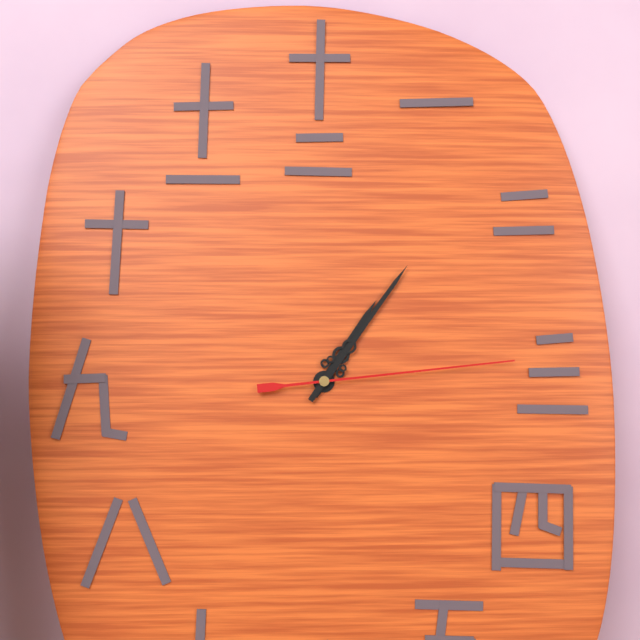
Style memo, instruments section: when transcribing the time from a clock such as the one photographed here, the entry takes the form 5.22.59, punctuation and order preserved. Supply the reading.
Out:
1.06.14
